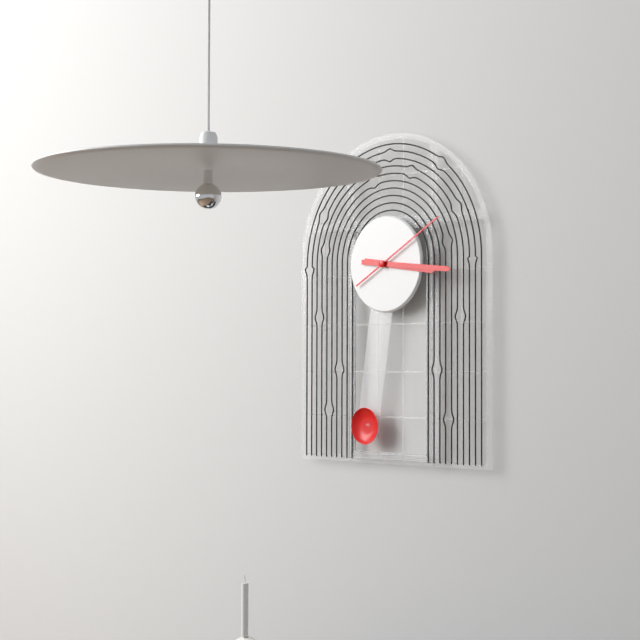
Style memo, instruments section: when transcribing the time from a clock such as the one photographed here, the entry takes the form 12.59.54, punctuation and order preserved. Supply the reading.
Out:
3.16.10
